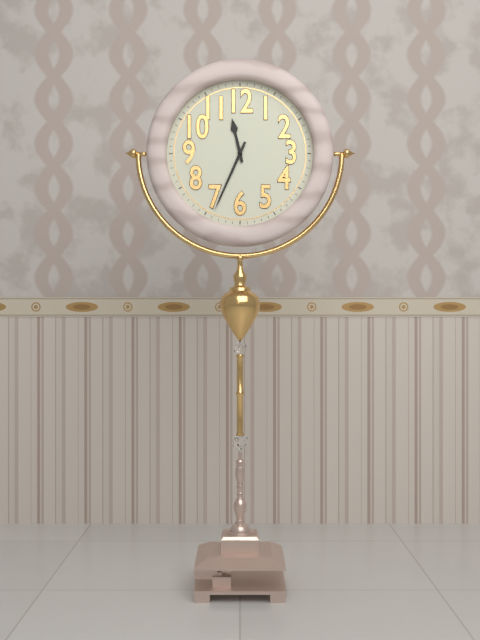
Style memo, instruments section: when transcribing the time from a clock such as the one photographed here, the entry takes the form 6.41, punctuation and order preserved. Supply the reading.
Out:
11.34
